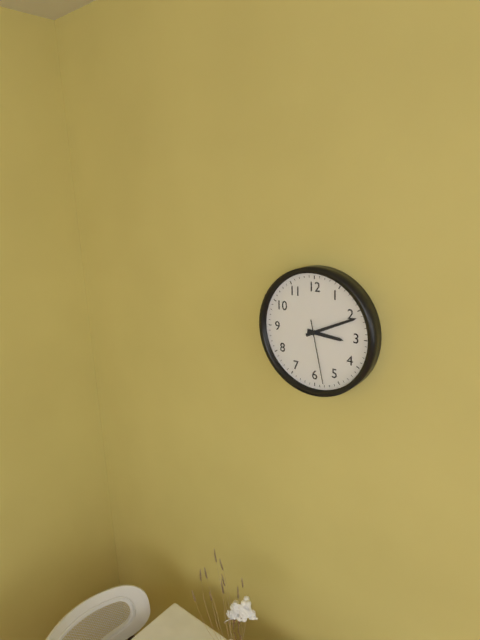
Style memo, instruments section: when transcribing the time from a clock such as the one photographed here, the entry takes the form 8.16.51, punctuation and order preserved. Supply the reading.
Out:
3.11.28
